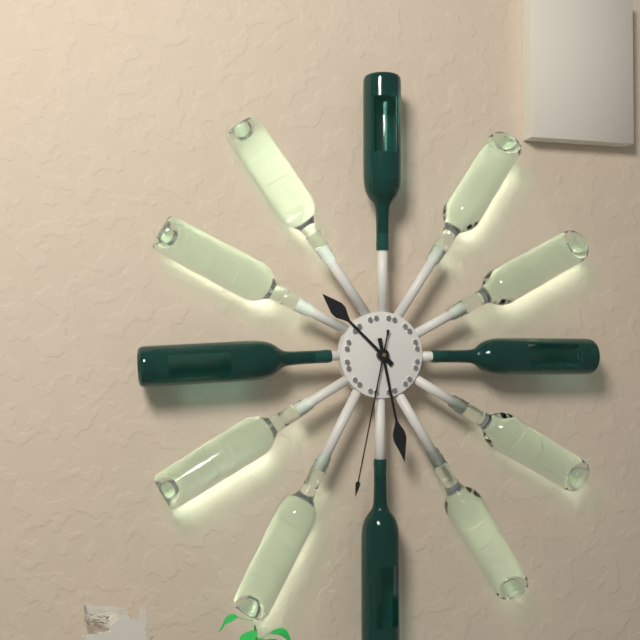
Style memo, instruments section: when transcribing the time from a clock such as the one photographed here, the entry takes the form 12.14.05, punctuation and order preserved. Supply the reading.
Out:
10.28.32
